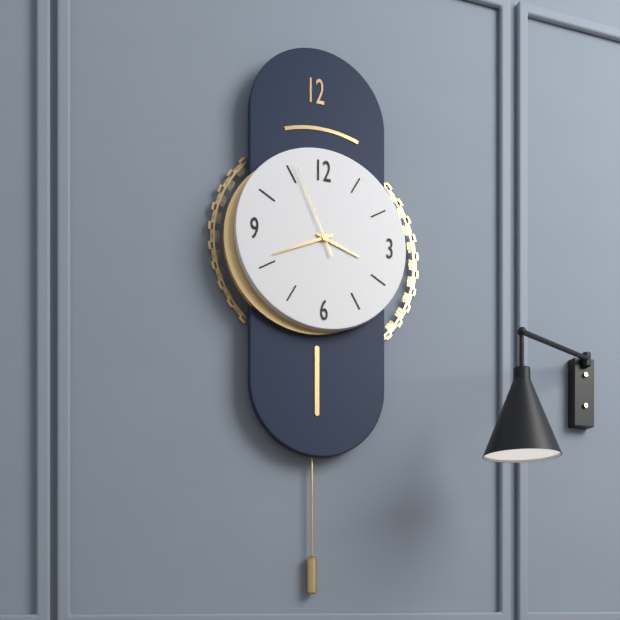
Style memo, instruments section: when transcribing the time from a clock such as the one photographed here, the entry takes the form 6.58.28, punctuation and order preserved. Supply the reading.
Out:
3.41.56
